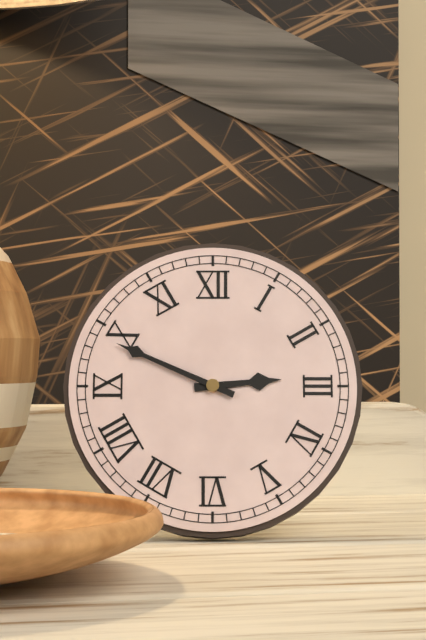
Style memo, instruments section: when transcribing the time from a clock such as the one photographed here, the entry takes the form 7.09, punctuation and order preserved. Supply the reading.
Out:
2.49
